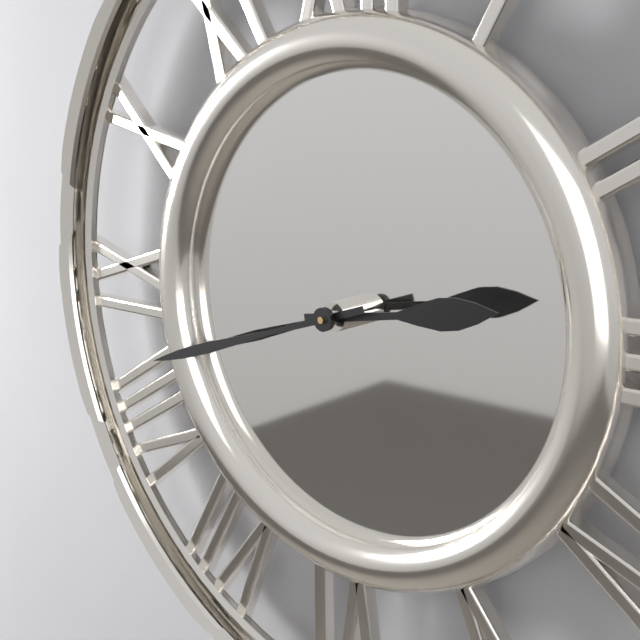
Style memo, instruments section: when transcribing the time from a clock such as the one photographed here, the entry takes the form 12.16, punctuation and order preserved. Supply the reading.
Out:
2.42
